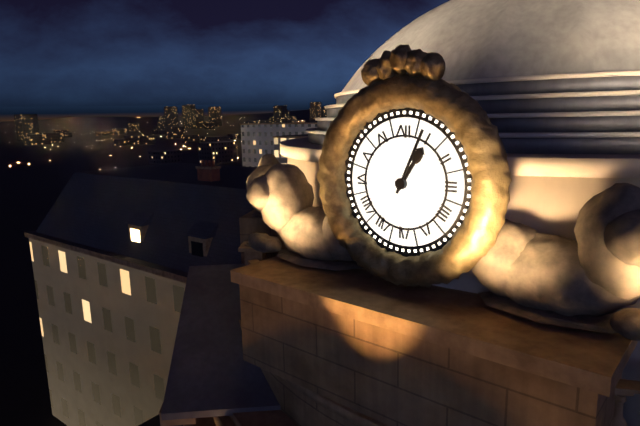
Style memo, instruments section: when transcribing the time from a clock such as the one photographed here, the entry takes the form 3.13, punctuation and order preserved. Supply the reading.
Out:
1.04
